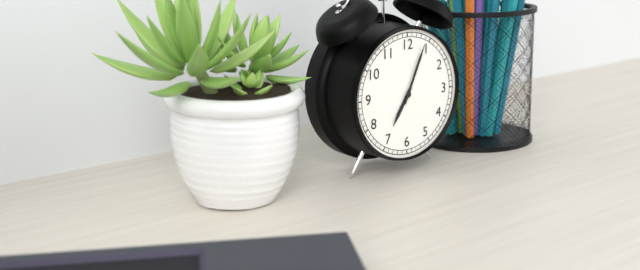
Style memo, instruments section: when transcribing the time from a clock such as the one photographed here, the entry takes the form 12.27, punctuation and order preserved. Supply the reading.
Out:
7.04
